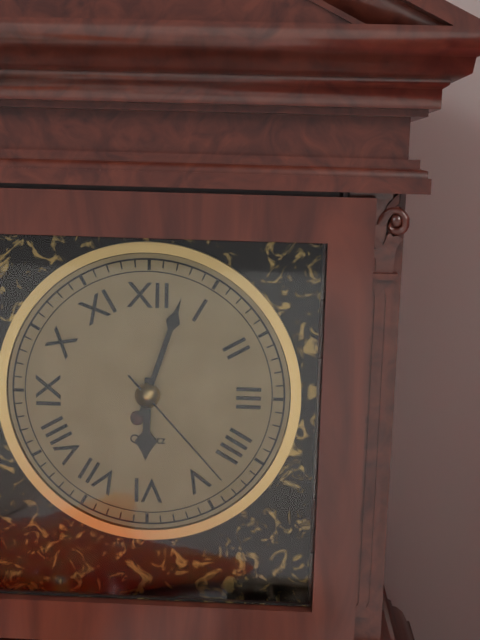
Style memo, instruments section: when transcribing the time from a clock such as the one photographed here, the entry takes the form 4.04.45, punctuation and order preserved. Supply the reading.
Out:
6.03.23
